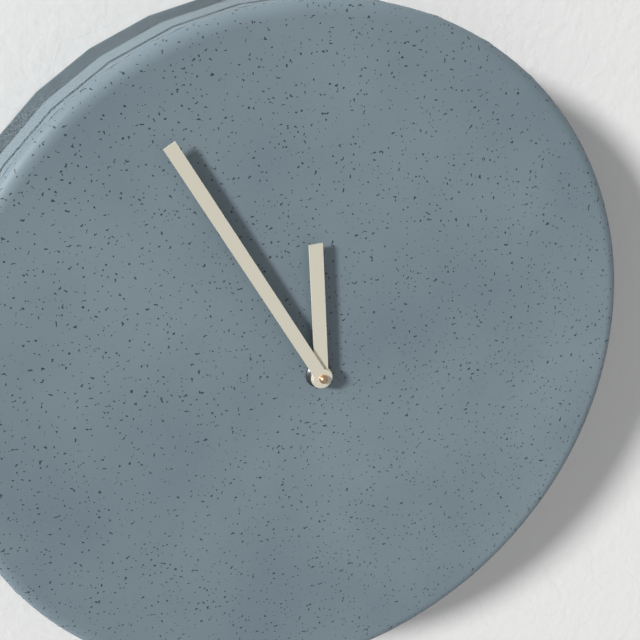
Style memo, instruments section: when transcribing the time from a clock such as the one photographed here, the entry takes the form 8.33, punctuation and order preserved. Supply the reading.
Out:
11.55
